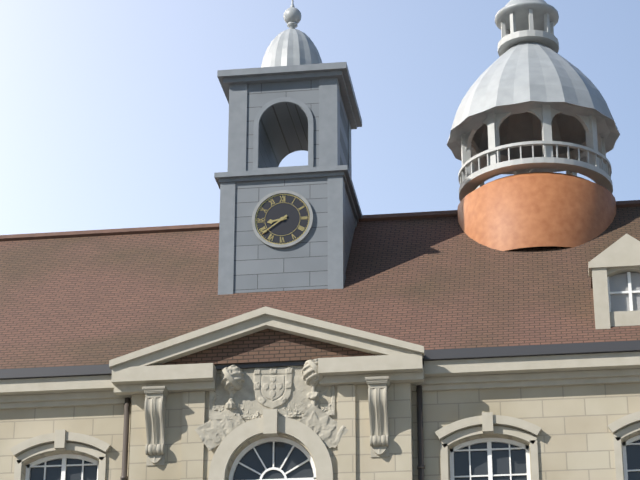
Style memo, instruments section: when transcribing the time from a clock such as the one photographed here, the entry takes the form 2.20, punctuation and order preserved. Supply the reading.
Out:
8.39
